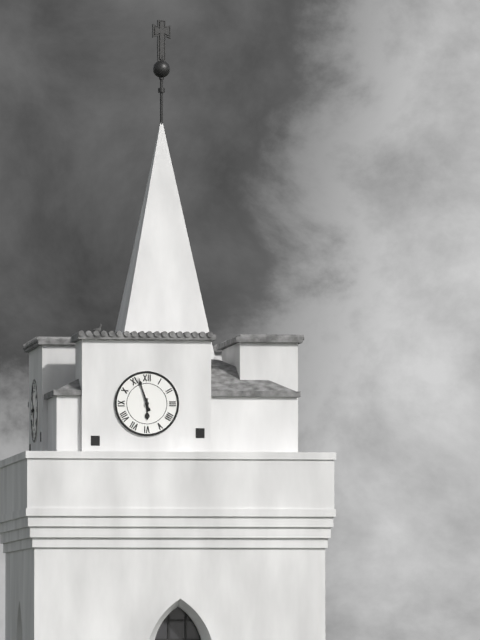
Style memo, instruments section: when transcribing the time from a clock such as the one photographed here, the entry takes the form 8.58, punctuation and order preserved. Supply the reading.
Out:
5.57
